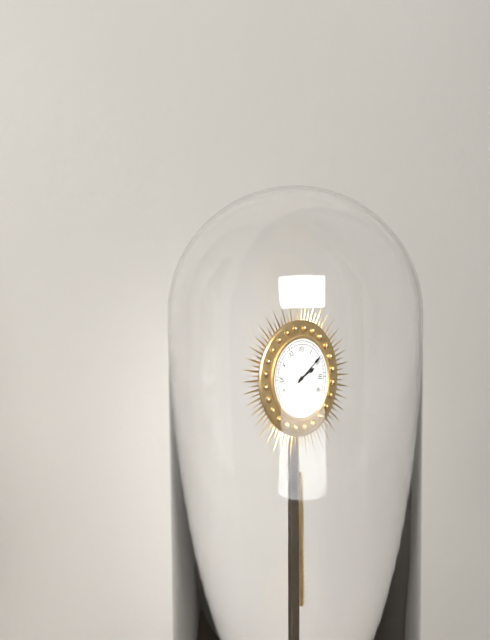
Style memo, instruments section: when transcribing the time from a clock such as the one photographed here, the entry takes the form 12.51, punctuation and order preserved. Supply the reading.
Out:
2.09
